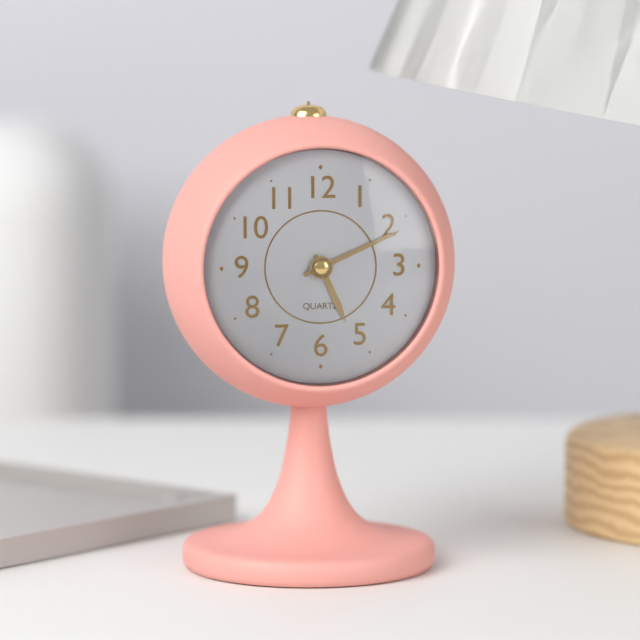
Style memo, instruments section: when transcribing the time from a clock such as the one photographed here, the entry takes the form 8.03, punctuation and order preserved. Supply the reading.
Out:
5.11
